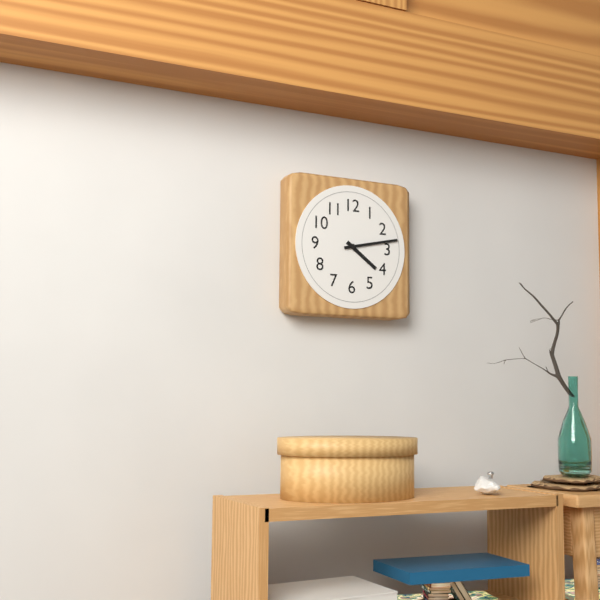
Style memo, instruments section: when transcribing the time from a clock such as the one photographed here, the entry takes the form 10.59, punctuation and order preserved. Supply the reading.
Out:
4.13
